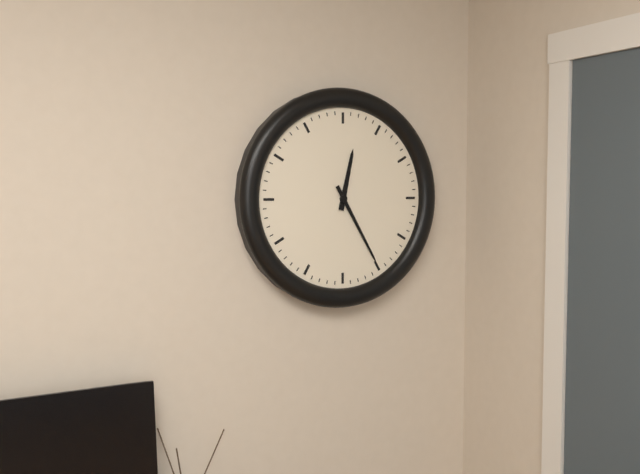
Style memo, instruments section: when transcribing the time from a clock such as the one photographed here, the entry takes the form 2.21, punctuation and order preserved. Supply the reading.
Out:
12.25
